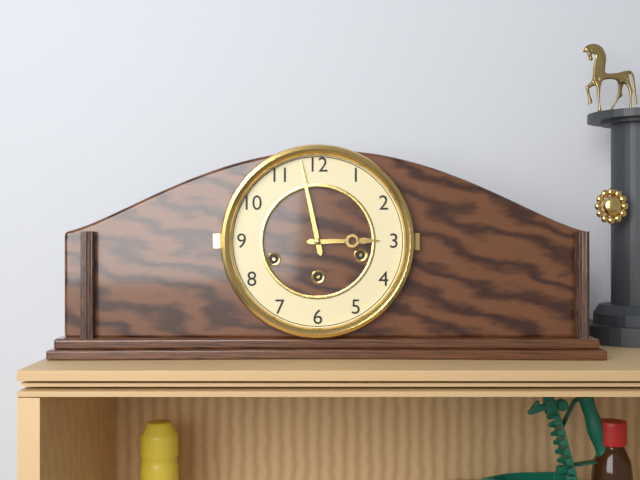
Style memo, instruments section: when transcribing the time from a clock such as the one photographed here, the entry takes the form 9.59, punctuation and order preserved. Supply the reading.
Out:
2.58
